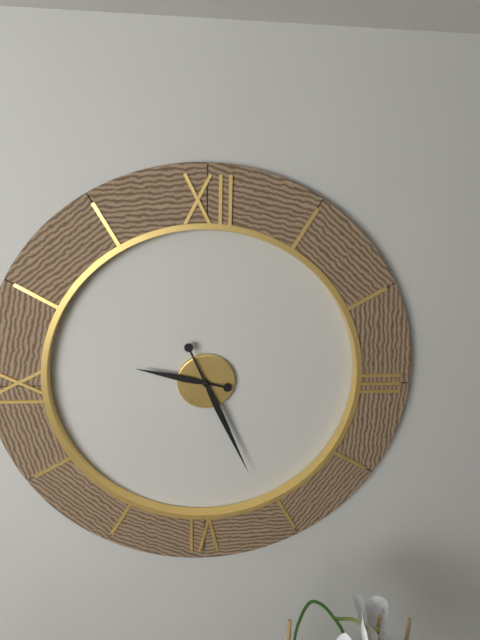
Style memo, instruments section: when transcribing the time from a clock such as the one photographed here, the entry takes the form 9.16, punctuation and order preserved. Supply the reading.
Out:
9.26
